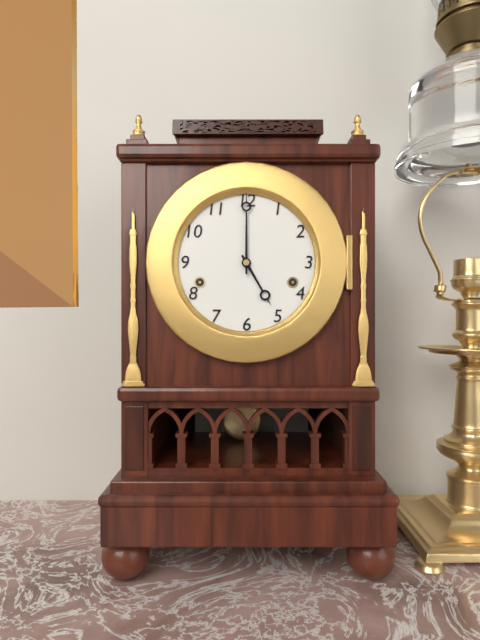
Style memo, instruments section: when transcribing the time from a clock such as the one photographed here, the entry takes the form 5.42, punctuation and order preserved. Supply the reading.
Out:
5.00
